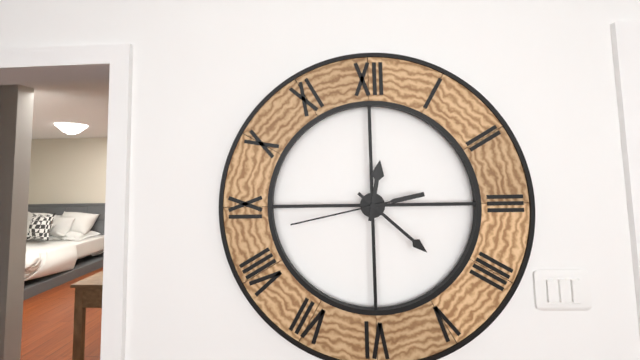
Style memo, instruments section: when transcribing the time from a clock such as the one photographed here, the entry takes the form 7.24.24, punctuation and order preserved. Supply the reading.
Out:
12.22.43
